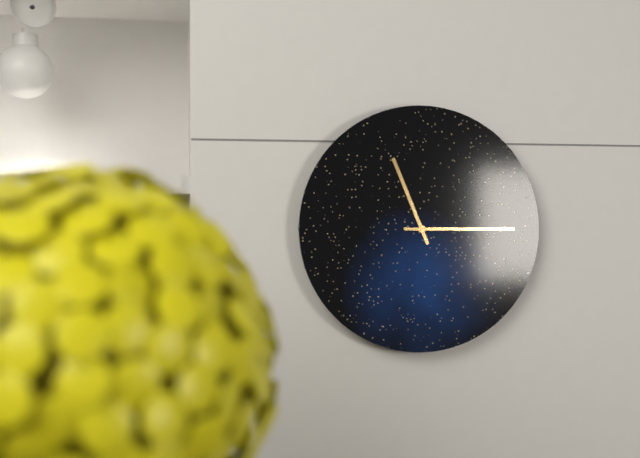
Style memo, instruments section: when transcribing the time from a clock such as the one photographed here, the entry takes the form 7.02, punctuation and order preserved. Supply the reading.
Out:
11.15
